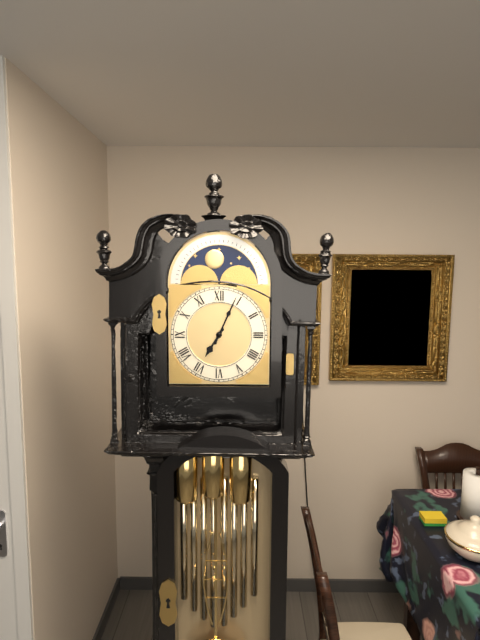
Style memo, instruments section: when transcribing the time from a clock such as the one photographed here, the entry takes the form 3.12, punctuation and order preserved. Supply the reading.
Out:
7.04
